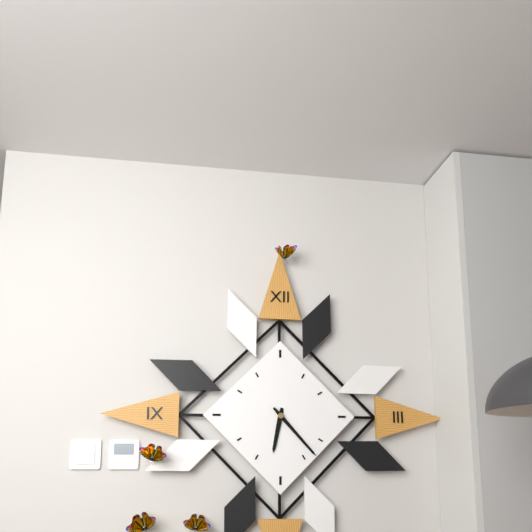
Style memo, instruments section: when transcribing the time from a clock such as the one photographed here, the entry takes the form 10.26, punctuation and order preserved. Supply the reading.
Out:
6.23
